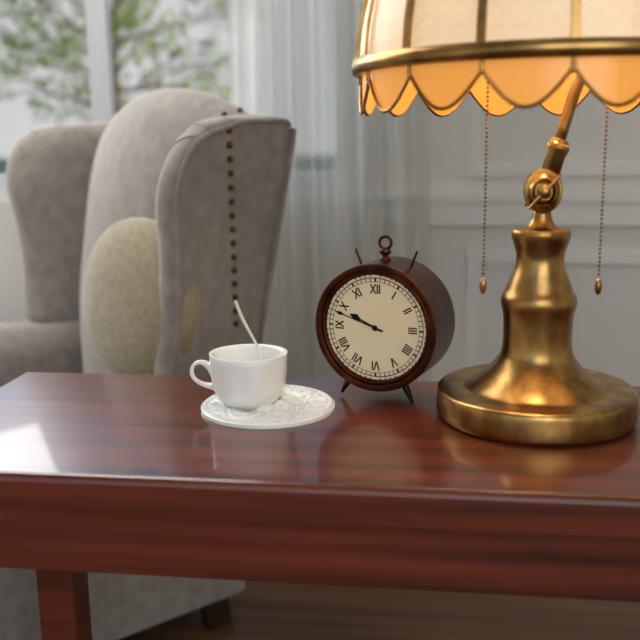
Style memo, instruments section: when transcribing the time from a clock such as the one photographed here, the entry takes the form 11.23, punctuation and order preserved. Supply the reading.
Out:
9.48
